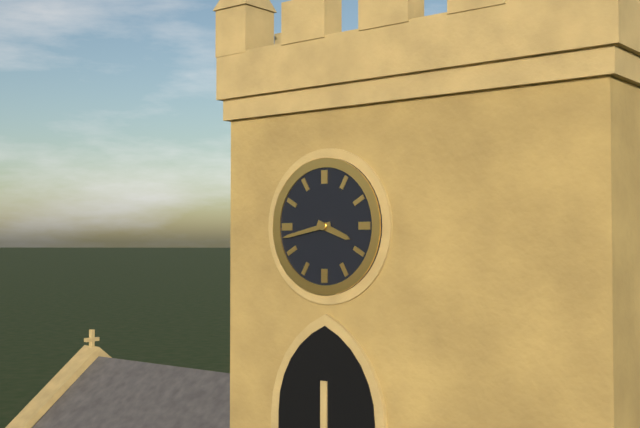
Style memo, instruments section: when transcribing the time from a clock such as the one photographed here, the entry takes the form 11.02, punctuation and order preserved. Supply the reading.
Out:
3.43
